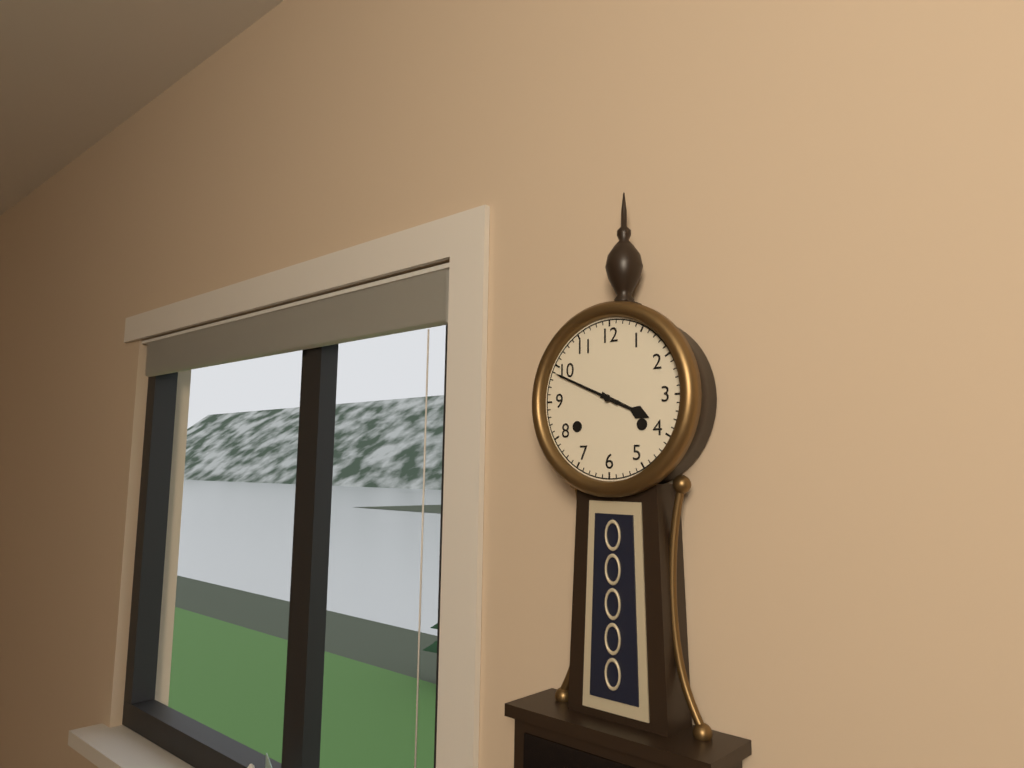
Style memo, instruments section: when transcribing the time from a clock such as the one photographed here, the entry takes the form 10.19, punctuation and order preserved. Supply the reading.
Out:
3.49
